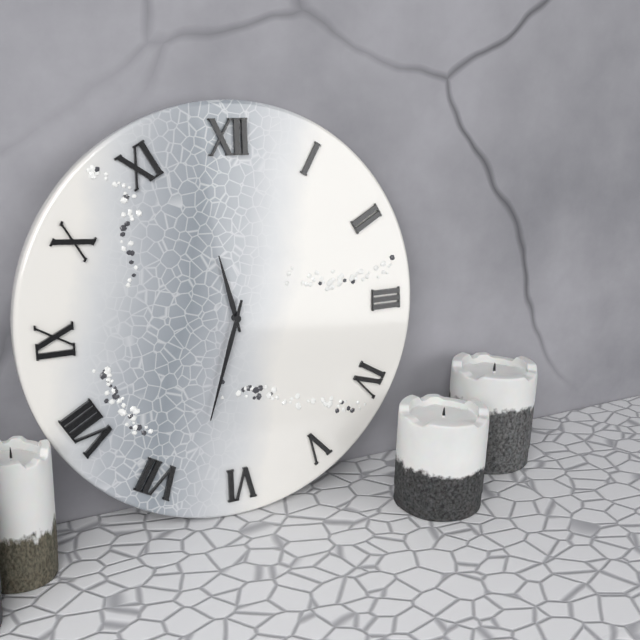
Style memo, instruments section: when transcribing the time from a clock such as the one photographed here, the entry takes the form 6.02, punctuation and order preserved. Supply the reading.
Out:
11.33
